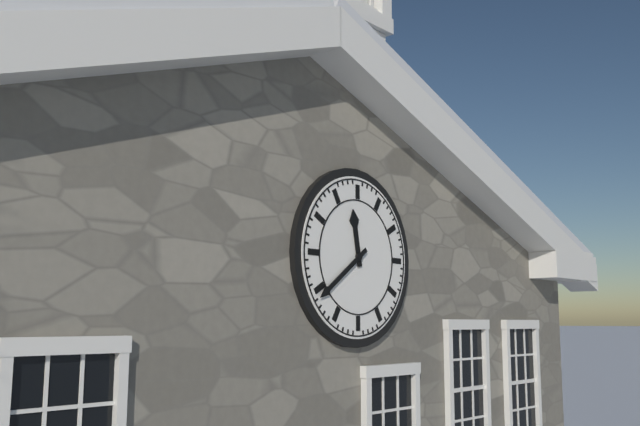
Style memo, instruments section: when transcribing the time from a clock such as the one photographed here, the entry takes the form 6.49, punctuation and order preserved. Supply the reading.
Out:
11.39
